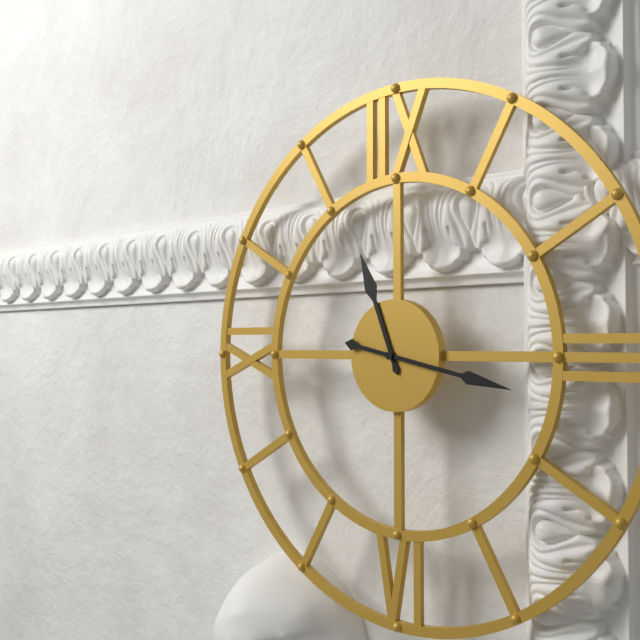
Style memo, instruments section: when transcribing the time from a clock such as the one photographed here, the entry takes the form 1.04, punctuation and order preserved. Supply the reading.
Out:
11.17
